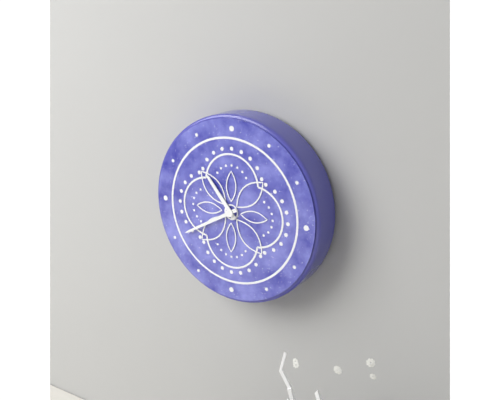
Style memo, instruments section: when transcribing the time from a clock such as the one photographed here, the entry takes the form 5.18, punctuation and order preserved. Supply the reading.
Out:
10.40
